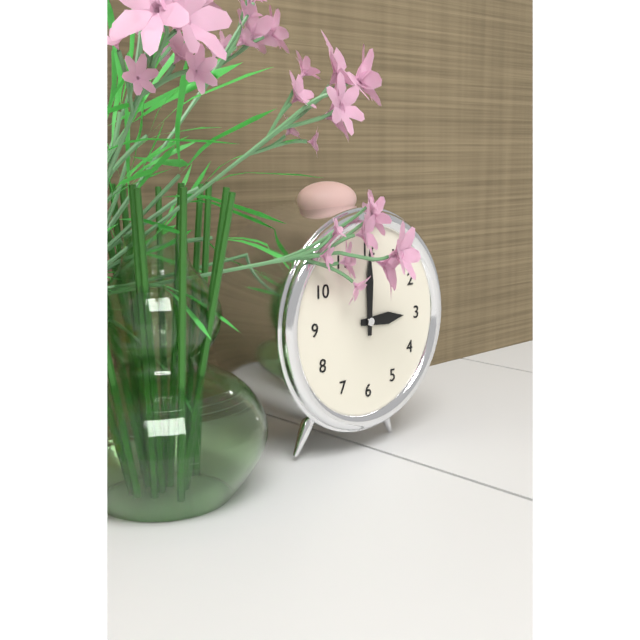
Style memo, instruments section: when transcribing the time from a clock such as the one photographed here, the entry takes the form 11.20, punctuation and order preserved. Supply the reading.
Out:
3.00
